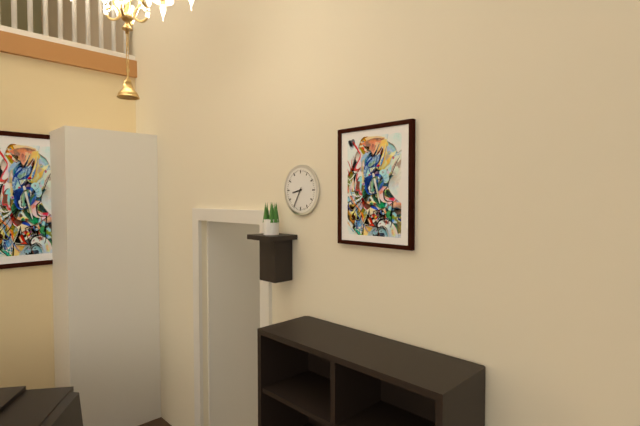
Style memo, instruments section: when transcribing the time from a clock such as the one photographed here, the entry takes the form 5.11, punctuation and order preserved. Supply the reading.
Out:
8.35
